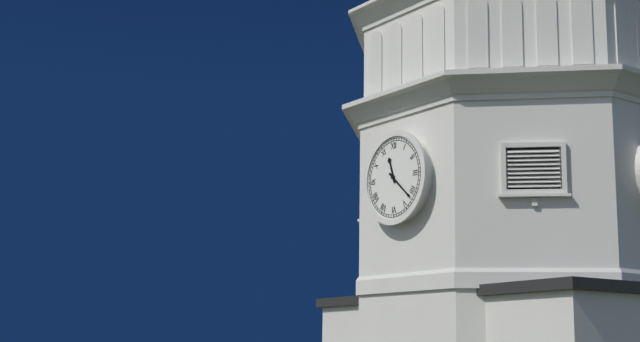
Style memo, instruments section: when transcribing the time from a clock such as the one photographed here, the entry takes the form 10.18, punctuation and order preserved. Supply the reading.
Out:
11.22
